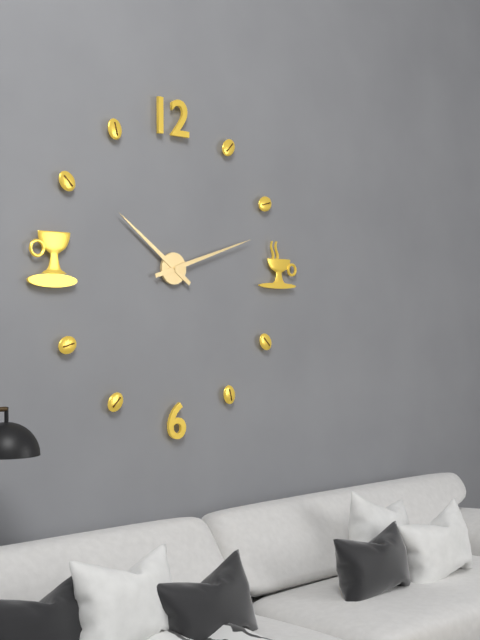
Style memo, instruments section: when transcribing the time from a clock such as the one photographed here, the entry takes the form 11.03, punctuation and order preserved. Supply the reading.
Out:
10.12
